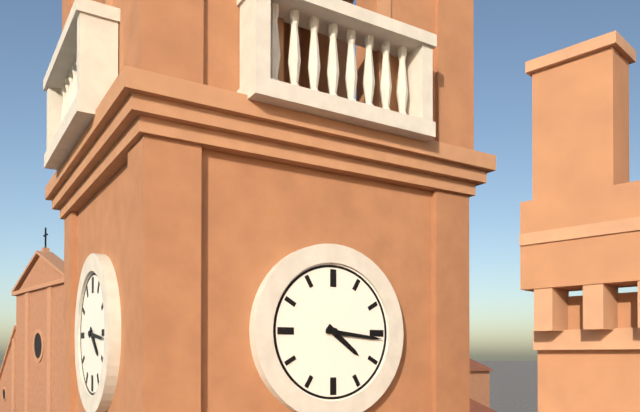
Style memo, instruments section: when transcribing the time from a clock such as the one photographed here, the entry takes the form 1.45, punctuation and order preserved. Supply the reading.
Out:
4.16
